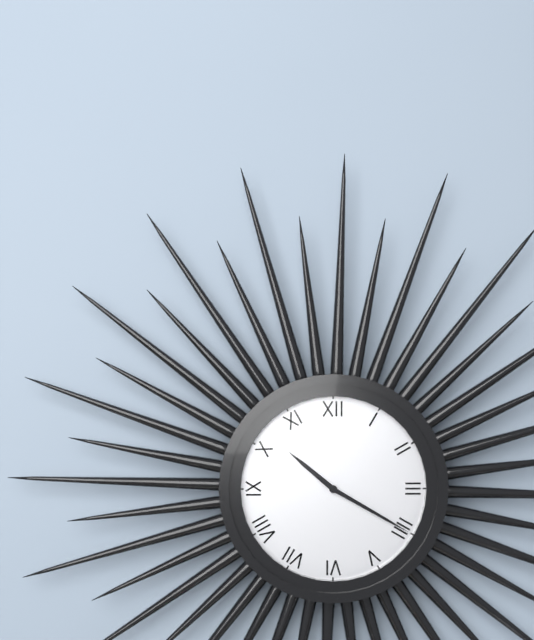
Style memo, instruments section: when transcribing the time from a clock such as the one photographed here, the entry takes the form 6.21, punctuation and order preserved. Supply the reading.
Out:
10.20
